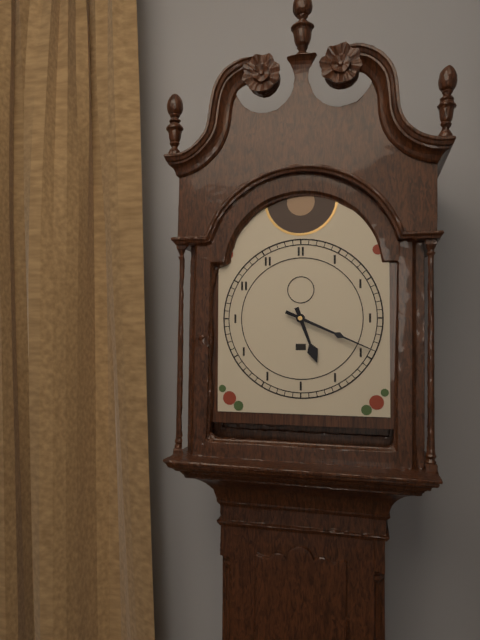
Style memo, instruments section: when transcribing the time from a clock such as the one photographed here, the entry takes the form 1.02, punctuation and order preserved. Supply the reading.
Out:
5.19
